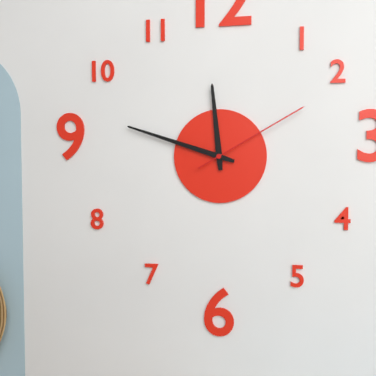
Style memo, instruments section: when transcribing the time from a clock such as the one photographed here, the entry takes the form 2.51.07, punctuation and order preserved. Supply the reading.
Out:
11.48.10
